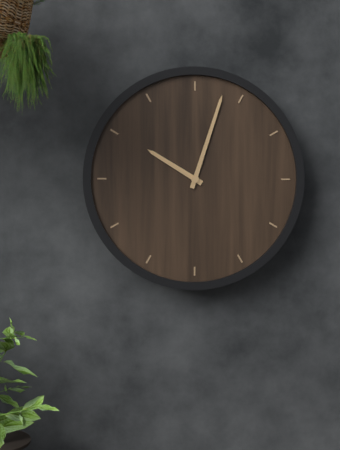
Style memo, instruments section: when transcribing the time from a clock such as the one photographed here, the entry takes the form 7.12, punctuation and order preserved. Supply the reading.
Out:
10.03
